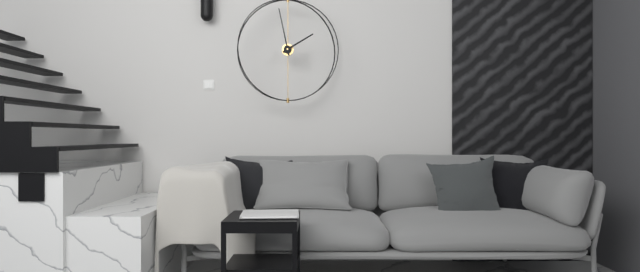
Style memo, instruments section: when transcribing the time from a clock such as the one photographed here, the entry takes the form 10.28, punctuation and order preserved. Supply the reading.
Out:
1.58
